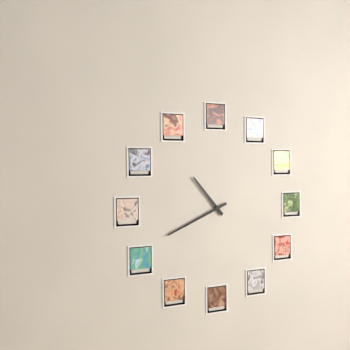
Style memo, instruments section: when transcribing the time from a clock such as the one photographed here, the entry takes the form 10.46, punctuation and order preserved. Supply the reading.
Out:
10.41
